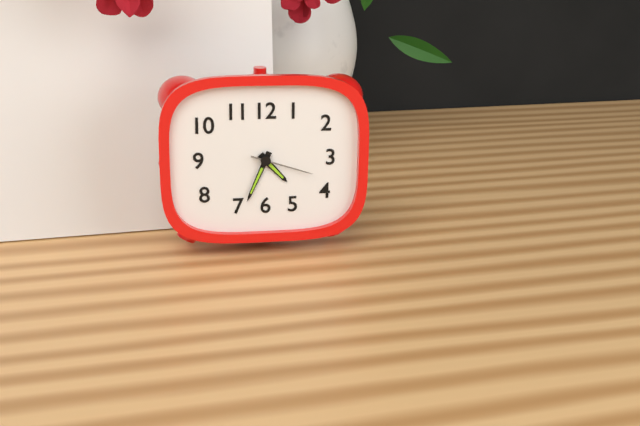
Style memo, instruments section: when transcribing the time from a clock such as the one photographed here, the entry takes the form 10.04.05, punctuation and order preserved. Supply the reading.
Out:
4.34.18
